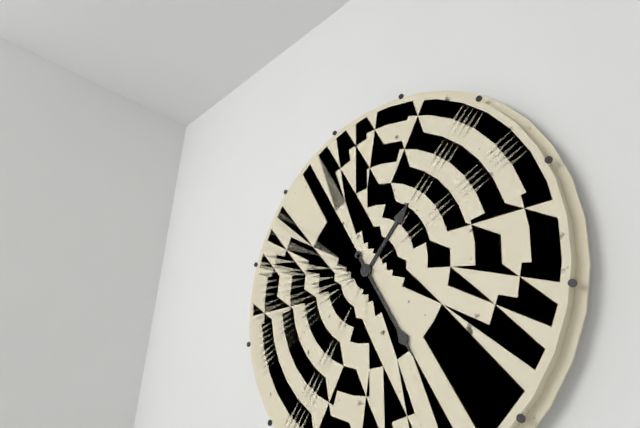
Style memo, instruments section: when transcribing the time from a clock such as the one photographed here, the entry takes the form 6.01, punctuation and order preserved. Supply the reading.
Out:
1.25
